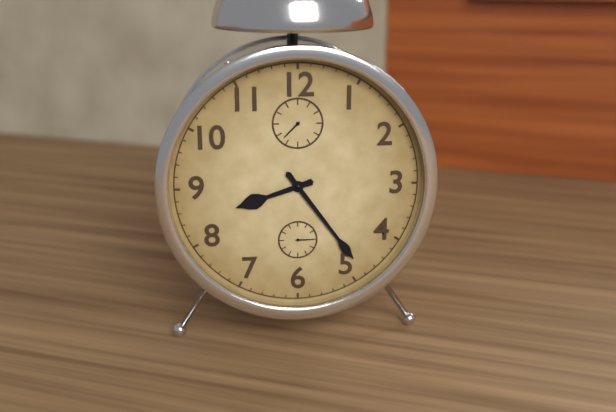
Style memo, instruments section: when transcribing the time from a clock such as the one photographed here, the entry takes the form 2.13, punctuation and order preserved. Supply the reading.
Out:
8.24
